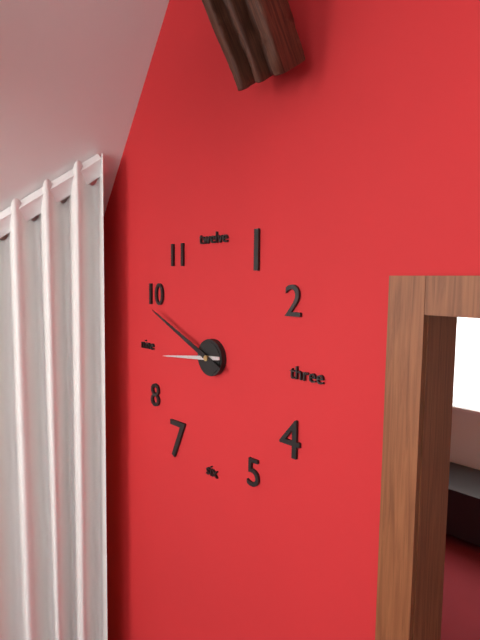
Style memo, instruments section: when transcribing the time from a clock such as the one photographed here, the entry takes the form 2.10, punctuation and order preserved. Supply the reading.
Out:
8.49
